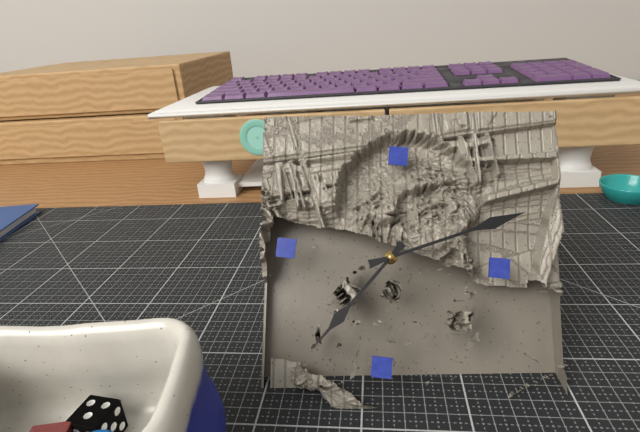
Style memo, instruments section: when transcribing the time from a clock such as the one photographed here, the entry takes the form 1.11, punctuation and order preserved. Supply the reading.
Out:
7.11
